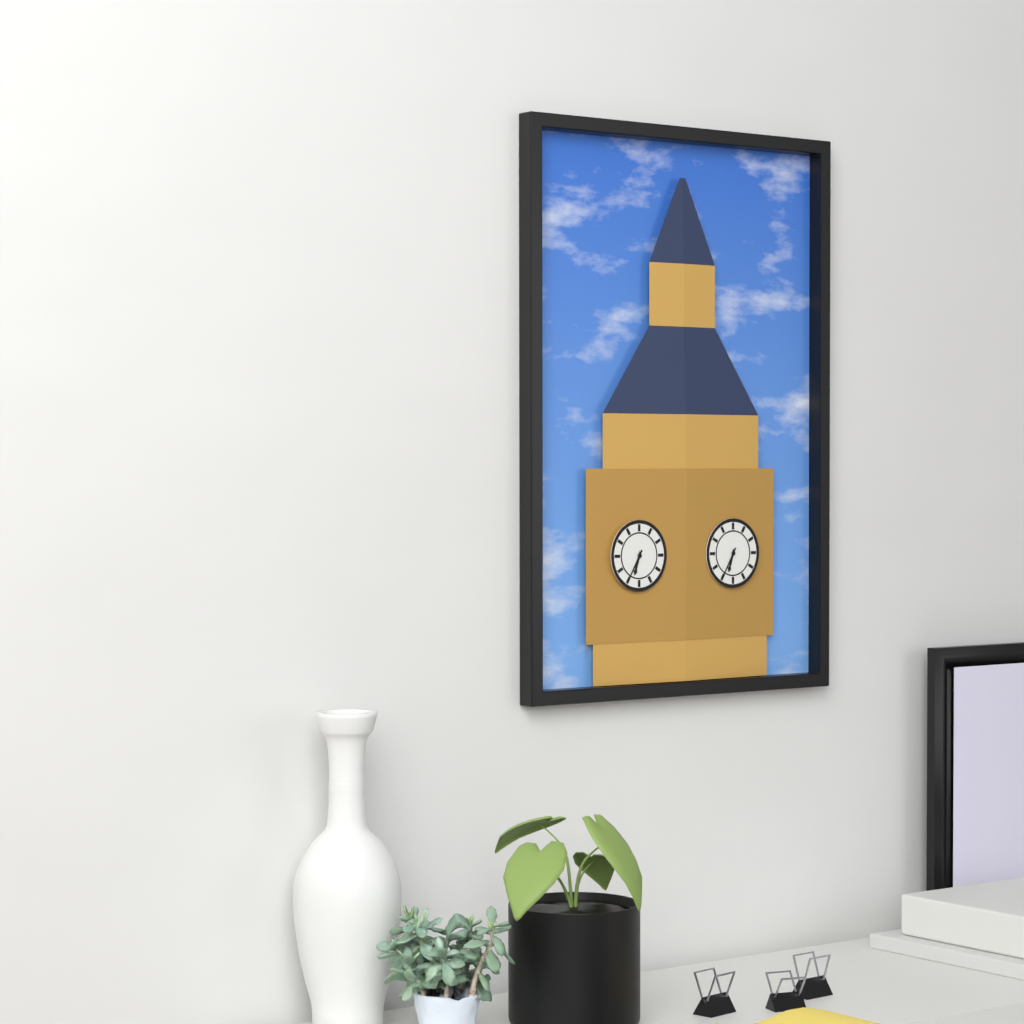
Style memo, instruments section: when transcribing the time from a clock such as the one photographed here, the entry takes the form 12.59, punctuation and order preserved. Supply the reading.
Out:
6.35
